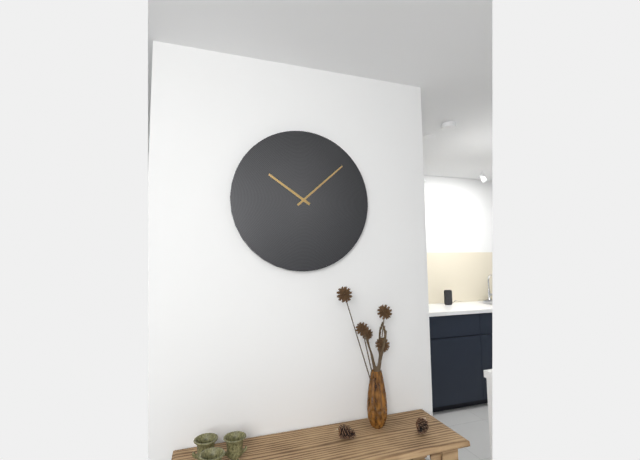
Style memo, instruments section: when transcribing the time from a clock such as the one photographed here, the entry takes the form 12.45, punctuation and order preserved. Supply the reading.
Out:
10.08
